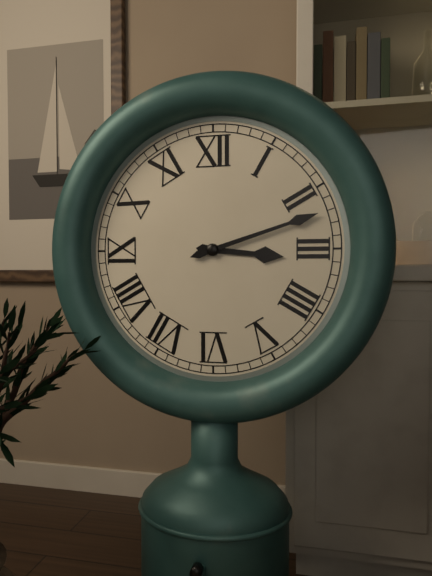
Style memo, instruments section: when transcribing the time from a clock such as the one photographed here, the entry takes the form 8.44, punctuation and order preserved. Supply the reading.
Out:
3.12
